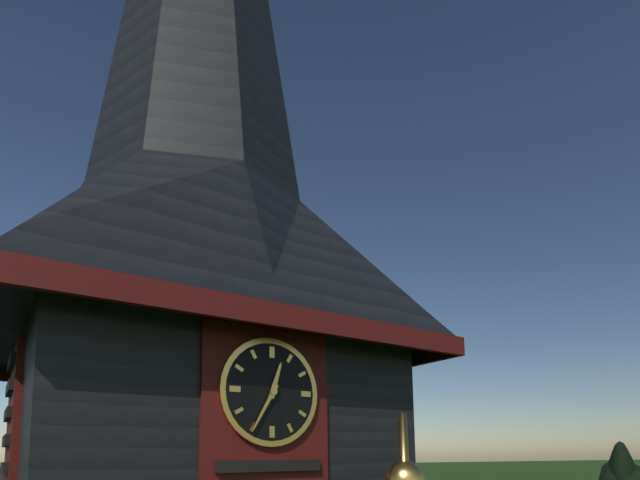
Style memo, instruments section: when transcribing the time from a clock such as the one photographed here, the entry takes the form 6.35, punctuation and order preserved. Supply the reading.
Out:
12.35
